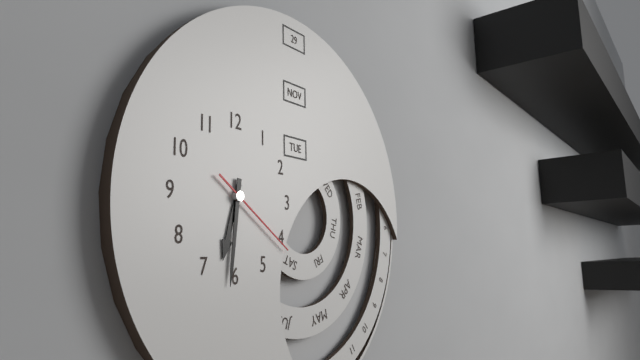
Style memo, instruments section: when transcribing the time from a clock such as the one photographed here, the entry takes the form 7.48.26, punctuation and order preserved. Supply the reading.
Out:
6.31.21
